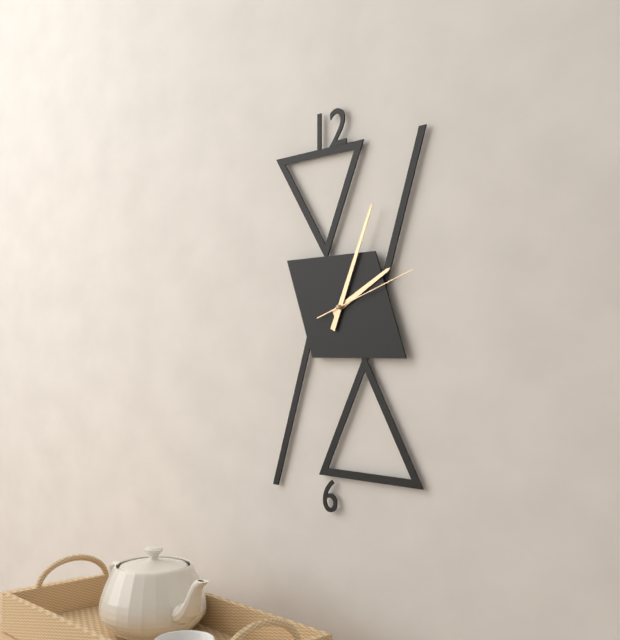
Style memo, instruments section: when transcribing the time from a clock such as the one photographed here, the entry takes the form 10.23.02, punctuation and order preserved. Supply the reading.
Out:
2.04.12
